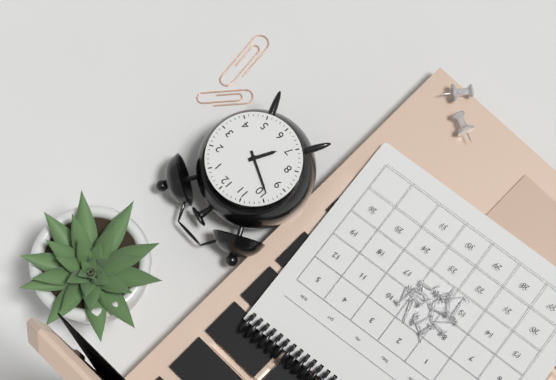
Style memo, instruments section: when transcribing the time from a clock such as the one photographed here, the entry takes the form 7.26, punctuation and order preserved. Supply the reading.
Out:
6.49
